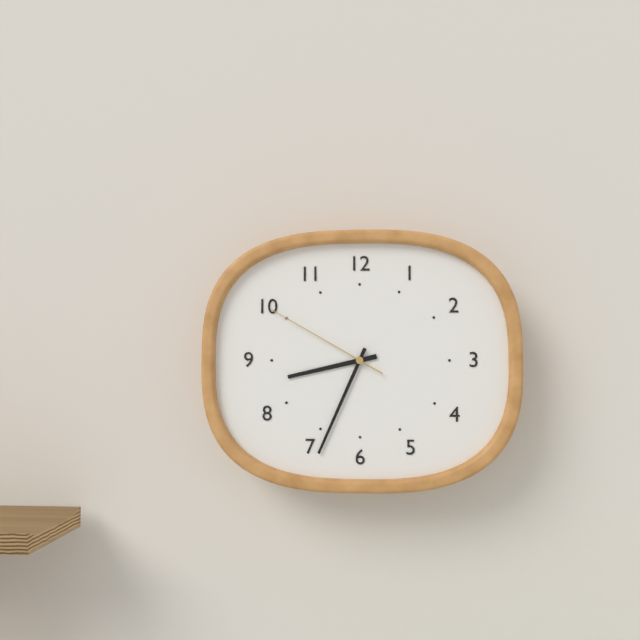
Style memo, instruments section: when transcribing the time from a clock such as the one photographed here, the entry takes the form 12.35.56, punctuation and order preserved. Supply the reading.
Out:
8.34.50
